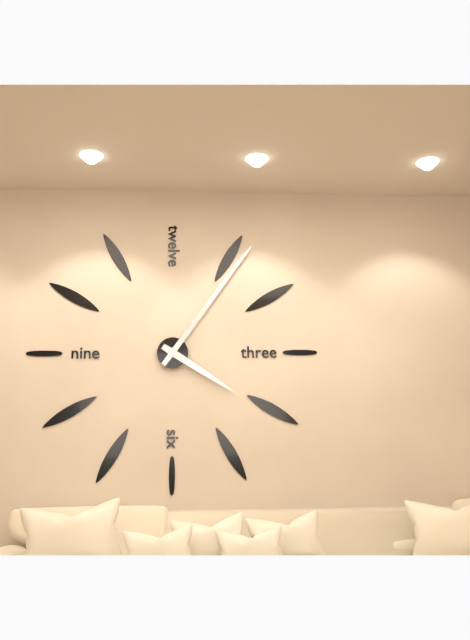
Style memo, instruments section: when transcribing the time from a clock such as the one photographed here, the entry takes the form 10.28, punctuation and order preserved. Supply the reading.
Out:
4.06
